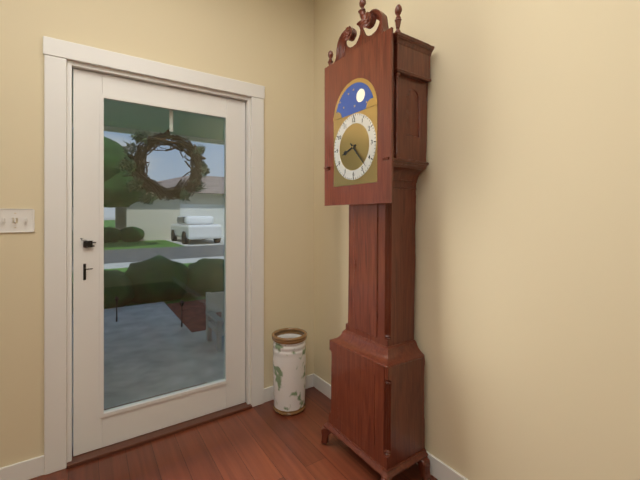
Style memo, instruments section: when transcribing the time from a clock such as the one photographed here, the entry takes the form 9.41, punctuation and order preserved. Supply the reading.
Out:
8.23
